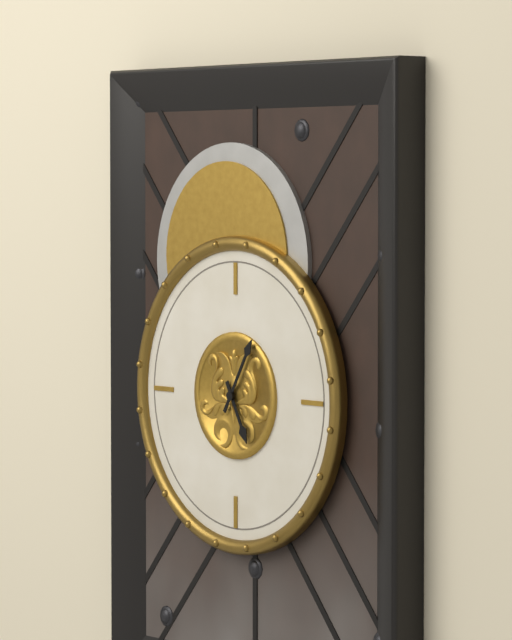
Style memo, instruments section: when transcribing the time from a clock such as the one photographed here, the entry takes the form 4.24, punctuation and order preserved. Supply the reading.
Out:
5.05
